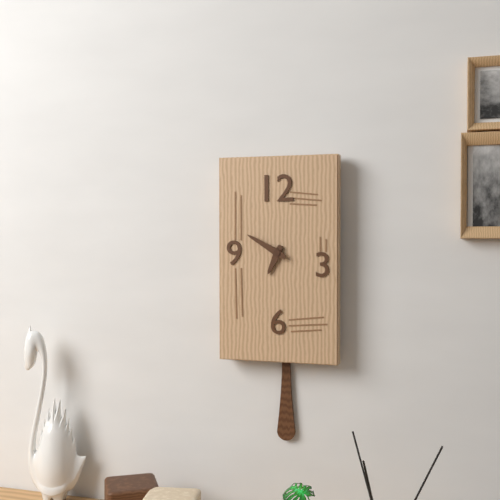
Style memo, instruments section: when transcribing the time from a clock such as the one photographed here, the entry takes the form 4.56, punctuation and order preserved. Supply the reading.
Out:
6.50
